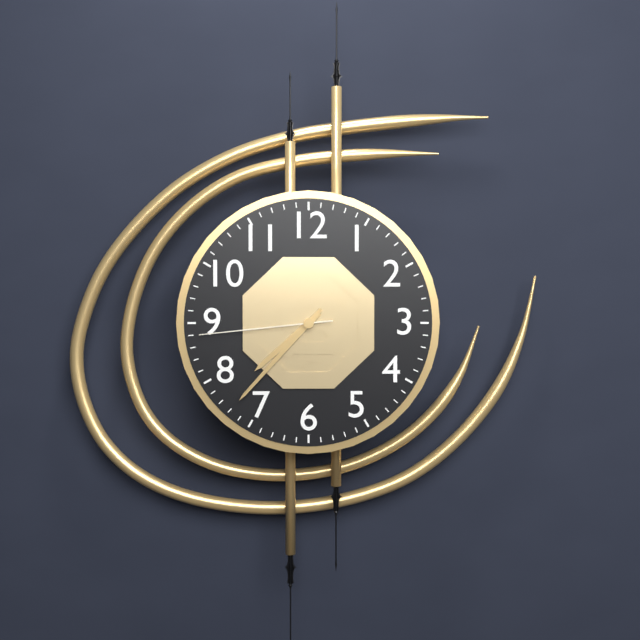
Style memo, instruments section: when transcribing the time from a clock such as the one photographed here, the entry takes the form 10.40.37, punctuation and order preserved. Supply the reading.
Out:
7.37.44
